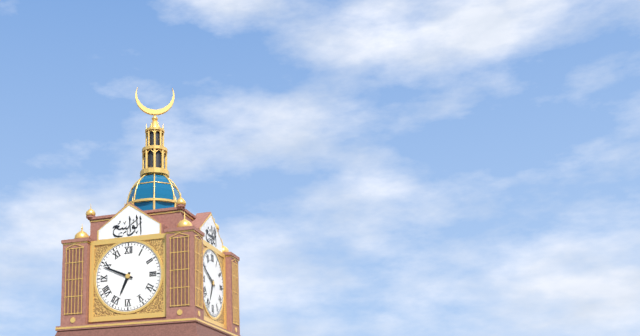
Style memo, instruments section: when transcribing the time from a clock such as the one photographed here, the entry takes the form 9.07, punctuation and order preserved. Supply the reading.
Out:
6.49
